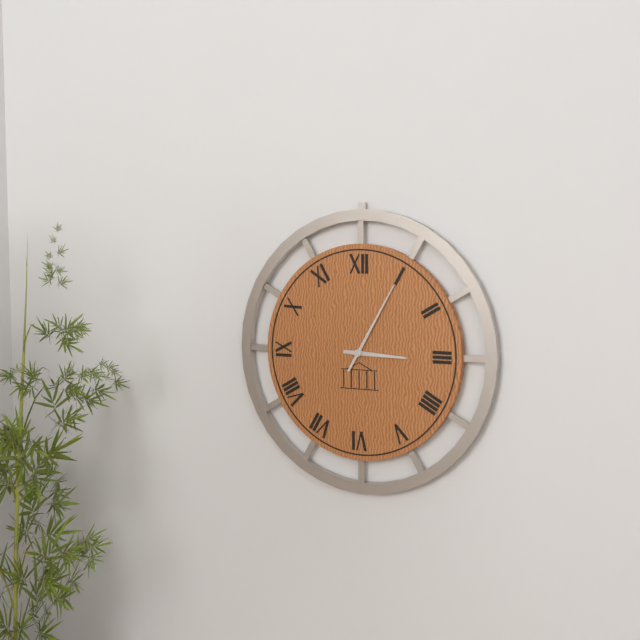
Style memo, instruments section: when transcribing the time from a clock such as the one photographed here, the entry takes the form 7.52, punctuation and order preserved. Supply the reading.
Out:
3.05
